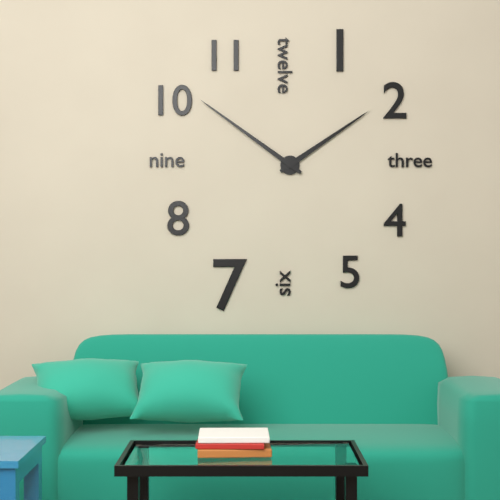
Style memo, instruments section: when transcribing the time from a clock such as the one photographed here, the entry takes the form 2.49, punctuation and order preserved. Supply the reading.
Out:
1.51
